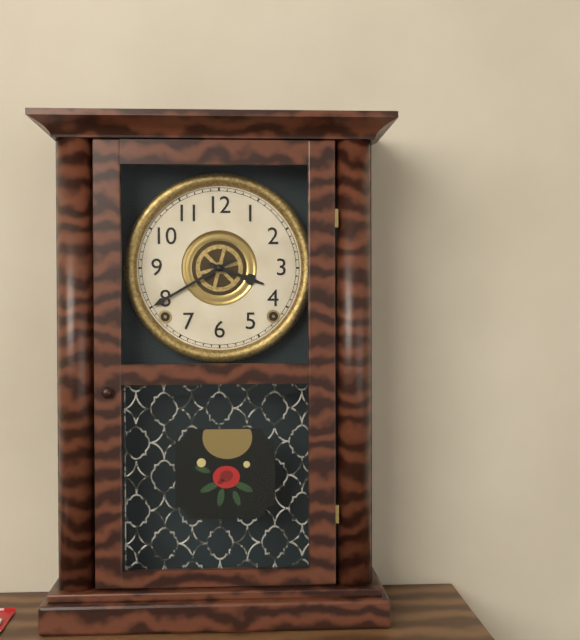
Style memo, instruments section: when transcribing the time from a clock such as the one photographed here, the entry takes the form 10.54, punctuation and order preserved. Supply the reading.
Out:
3.40
